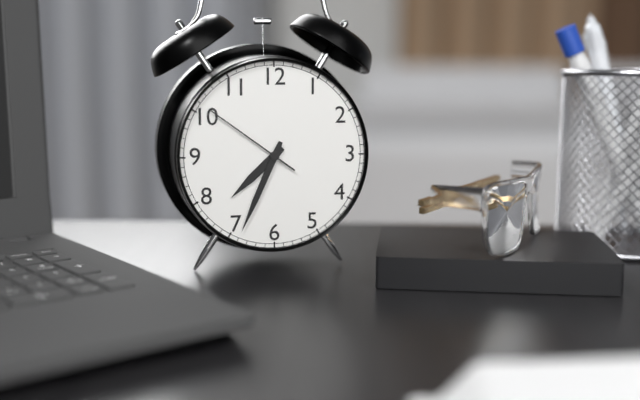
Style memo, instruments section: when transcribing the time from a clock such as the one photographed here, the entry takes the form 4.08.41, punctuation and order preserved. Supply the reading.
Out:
7.34.51
